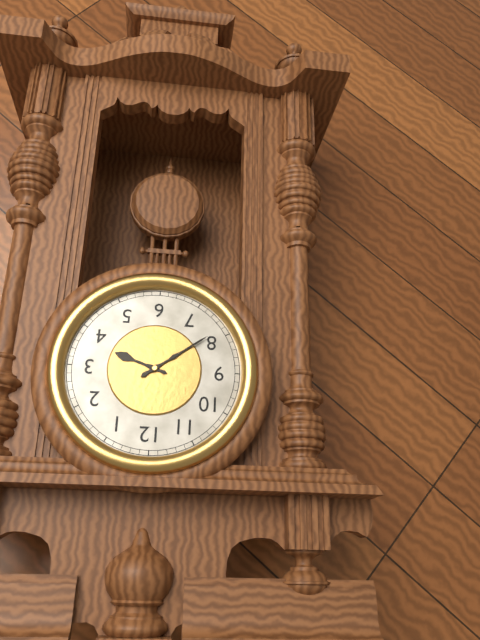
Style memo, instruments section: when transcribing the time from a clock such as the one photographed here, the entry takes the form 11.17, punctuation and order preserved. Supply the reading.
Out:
3.39
